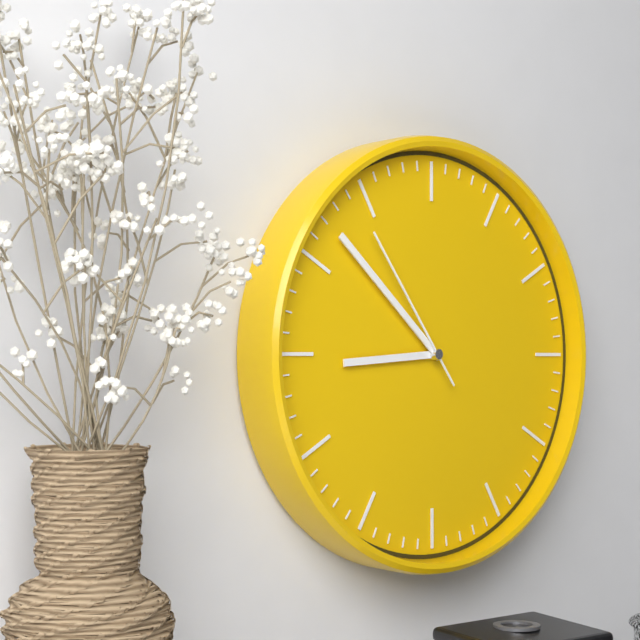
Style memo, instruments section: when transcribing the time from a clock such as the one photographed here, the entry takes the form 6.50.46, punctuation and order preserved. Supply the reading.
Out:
8.52.54
